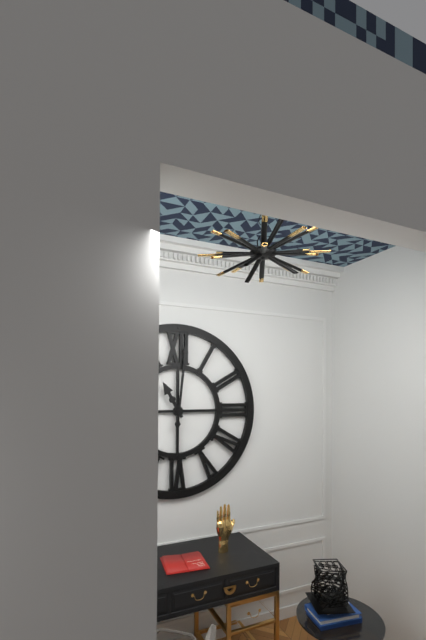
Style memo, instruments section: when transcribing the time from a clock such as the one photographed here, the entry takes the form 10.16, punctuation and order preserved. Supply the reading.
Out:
11.01
